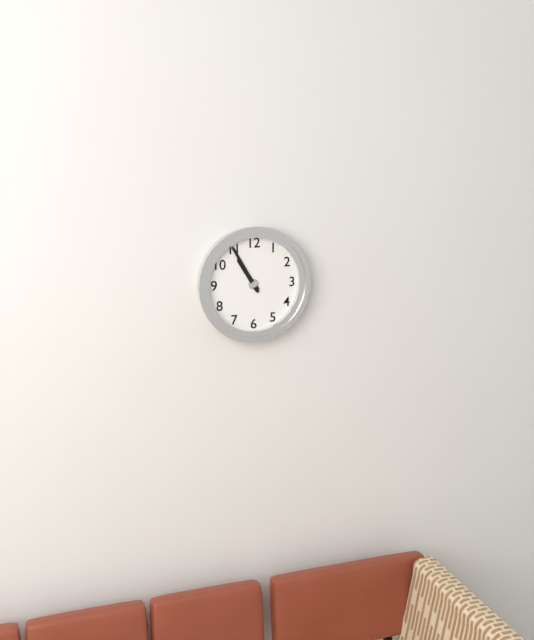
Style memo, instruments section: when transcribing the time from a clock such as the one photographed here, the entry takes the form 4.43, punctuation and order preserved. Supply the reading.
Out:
10.55
